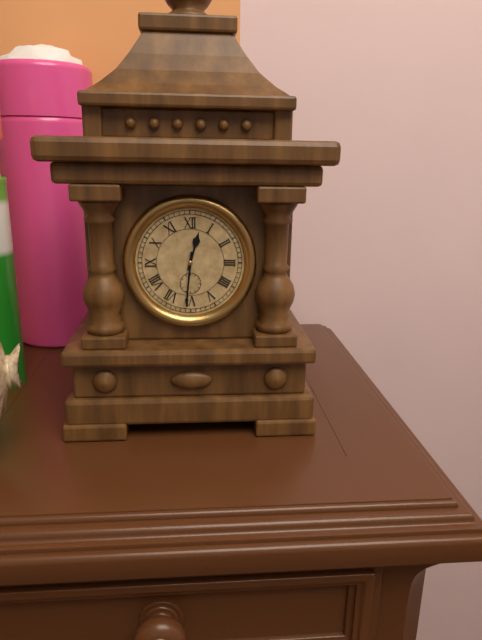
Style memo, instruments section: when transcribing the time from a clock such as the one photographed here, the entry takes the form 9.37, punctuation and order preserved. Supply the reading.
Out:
12.31
